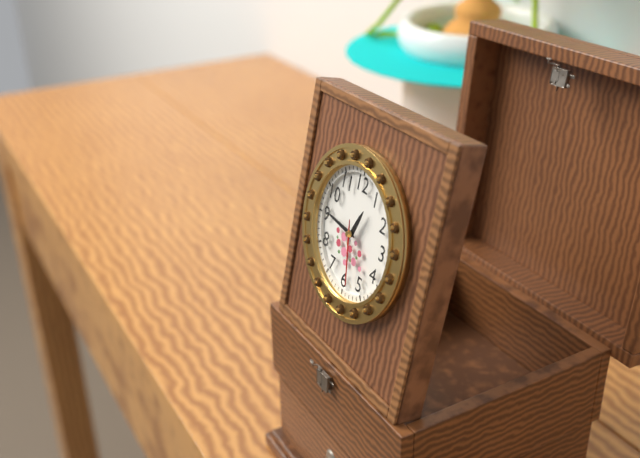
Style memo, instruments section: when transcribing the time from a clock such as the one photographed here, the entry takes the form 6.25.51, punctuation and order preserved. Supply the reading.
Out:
12.46.28
